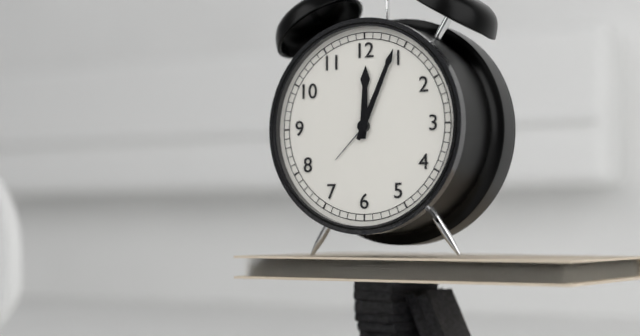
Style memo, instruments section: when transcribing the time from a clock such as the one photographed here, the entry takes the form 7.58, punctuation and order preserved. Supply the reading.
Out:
12.04
